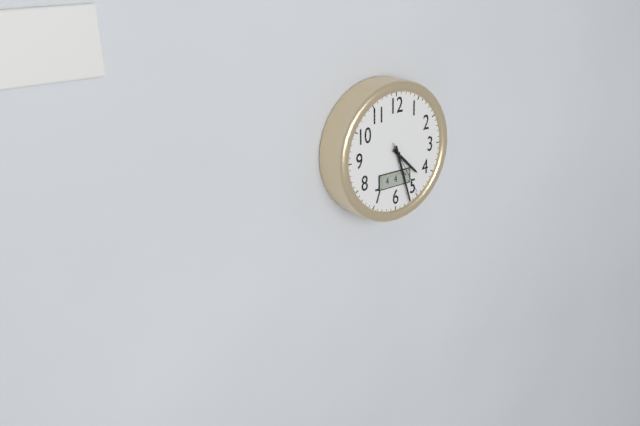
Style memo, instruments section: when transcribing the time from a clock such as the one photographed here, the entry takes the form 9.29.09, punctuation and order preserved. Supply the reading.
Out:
4.27.25
